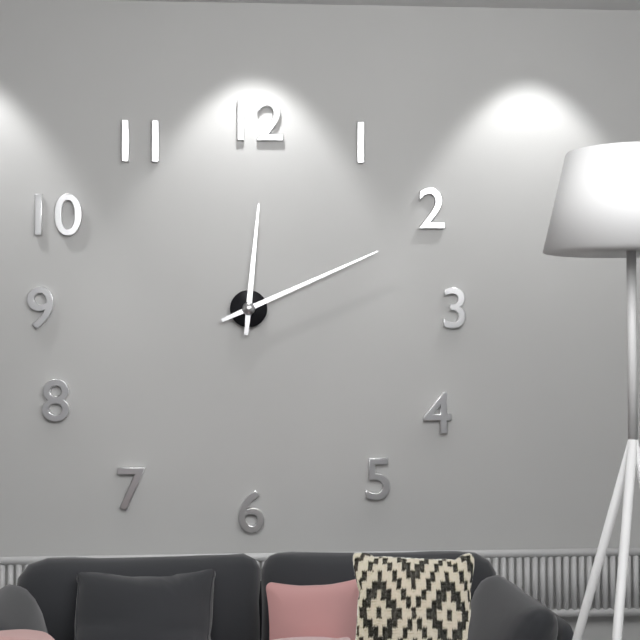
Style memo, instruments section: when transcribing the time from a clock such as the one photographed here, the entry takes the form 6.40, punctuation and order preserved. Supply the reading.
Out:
12.11
